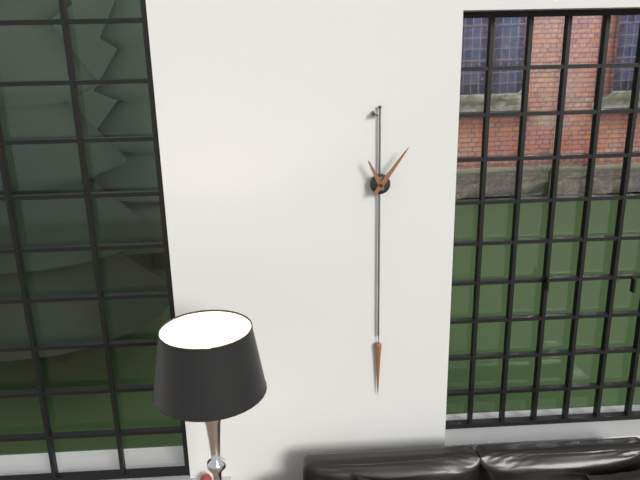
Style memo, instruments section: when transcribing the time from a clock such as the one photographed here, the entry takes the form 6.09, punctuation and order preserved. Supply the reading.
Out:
11.06
